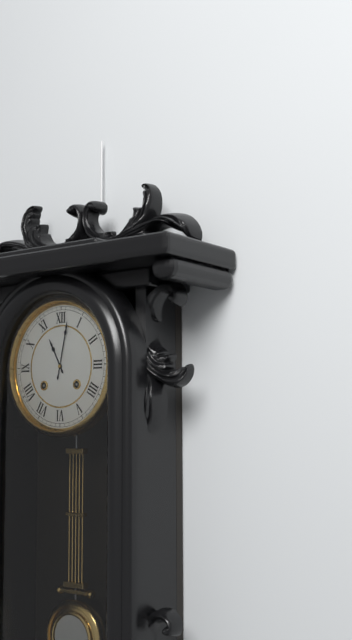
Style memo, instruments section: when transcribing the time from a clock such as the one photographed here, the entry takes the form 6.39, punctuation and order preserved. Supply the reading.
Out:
11.02
